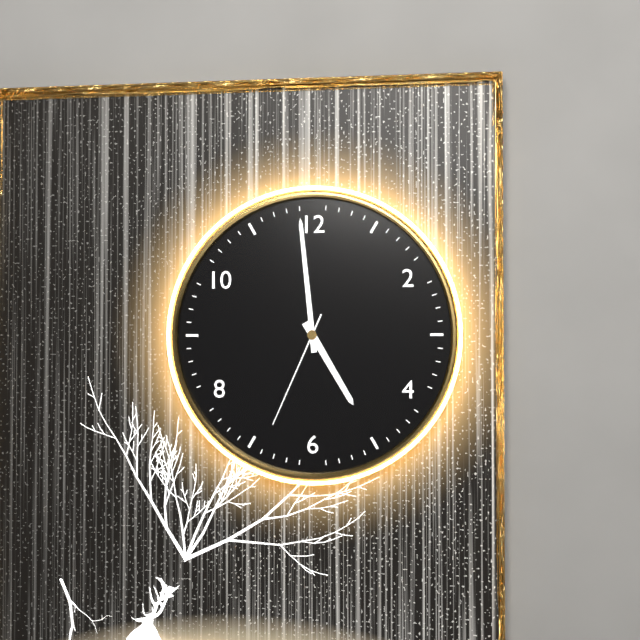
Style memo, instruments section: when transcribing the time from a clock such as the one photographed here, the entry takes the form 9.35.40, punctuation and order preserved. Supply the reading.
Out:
4.59.34
